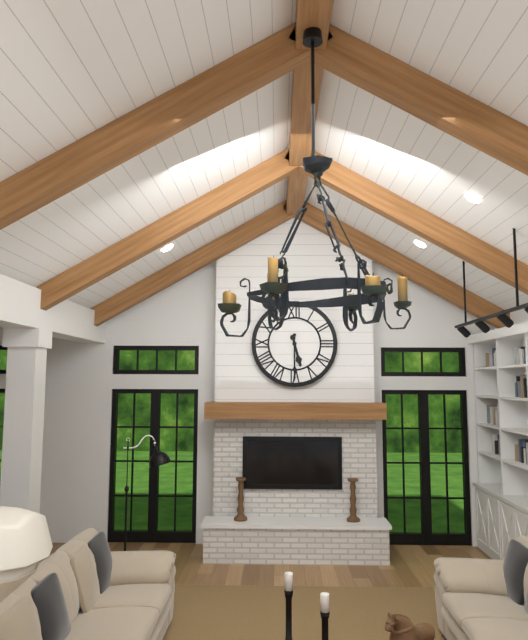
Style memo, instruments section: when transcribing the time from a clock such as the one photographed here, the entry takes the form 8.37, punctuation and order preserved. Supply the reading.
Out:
5.30
